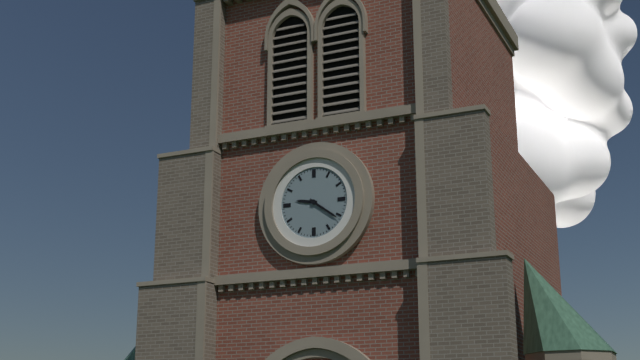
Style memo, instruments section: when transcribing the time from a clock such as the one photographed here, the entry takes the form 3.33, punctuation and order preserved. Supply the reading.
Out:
9.21
